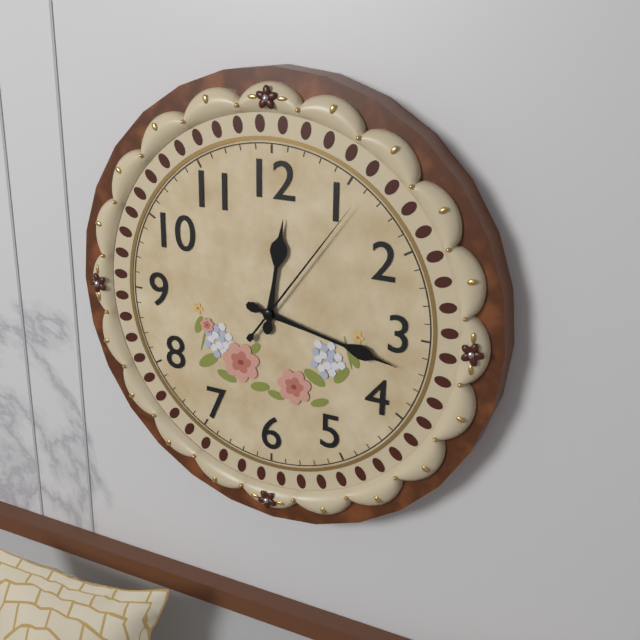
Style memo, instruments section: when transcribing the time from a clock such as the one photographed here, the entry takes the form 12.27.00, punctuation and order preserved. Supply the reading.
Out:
12.17.06
